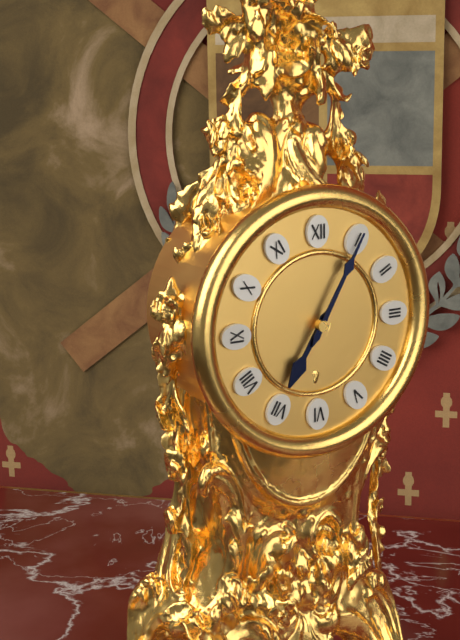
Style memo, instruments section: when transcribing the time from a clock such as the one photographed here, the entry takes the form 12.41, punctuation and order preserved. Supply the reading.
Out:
7.05
